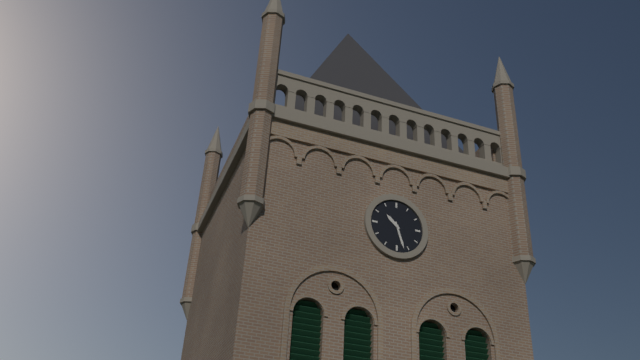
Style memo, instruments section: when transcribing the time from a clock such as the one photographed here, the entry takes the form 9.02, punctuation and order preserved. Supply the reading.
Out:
10.27
